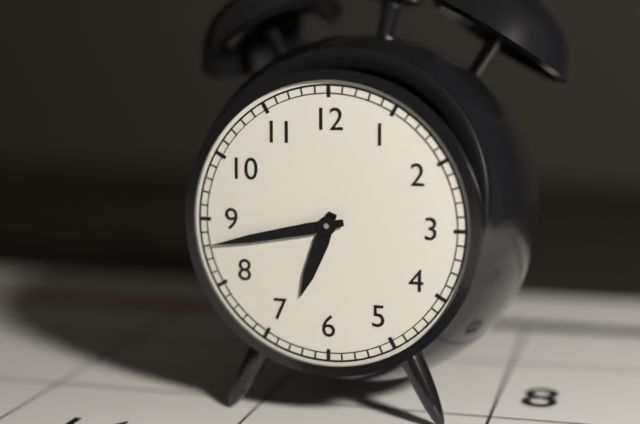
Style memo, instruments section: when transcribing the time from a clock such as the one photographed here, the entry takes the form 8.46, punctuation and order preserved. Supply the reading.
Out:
6.43
